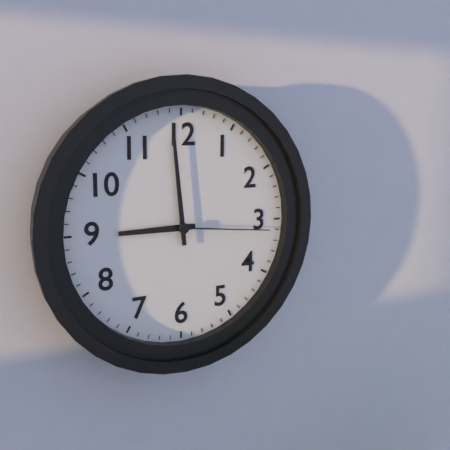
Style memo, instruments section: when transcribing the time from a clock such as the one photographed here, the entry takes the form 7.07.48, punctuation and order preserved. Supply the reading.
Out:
8.59.16
